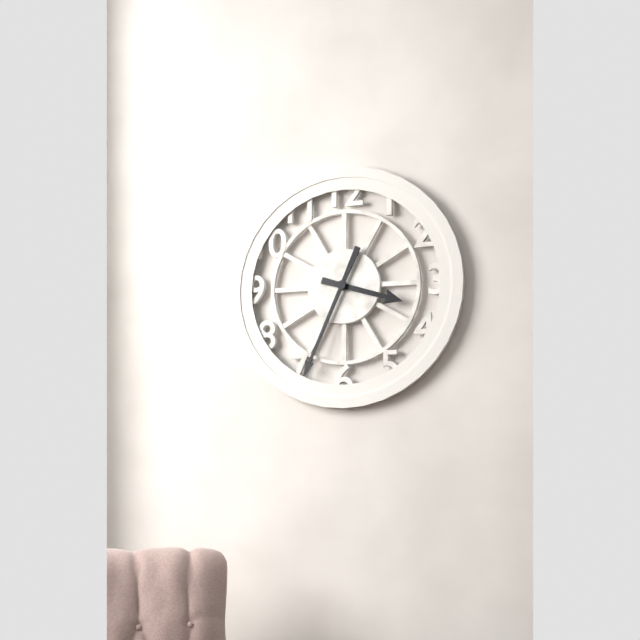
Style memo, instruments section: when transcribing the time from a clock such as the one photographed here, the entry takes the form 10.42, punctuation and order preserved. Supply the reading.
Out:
3.34
